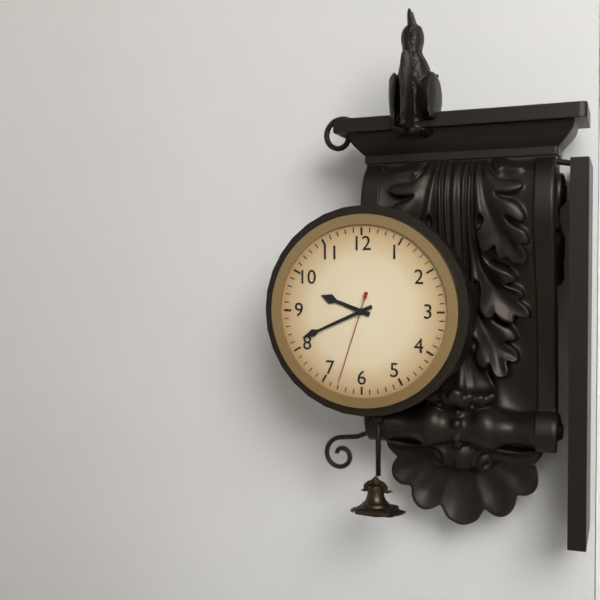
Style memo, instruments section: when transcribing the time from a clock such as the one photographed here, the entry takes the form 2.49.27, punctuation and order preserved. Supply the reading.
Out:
9.41.33
